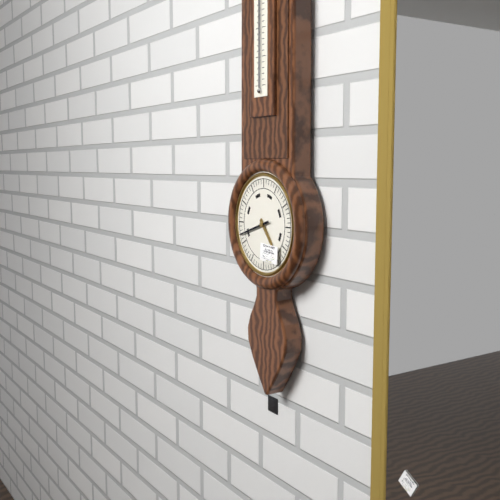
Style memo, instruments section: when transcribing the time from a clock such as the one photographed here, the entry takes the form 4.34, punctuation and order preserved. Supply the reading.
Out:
4.42
